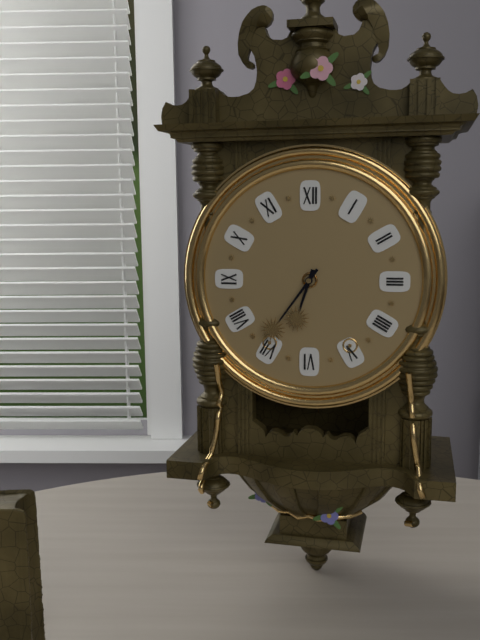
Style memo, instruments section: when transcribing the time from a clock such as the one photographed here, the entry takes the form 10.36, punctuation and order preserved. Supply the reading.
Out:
6.36
